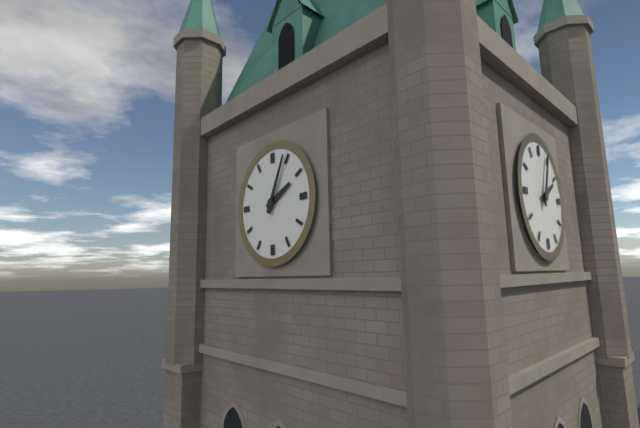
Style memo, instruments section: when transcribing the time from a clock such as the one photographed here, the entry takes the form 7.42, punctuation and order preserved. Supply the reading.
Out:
2.04
